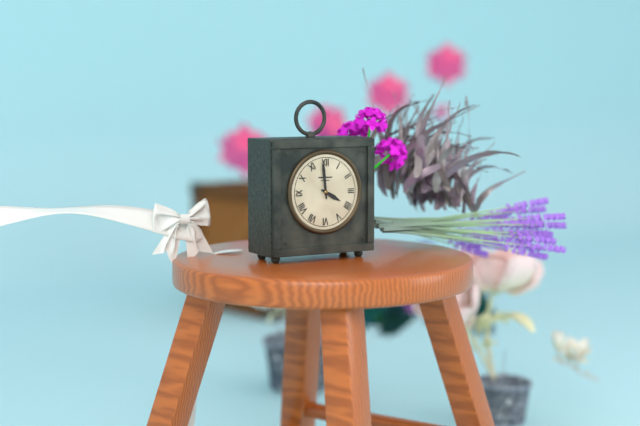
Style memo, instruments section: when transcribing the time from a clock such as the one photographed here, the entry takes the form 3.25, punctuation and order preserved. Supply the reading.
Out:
3.59
